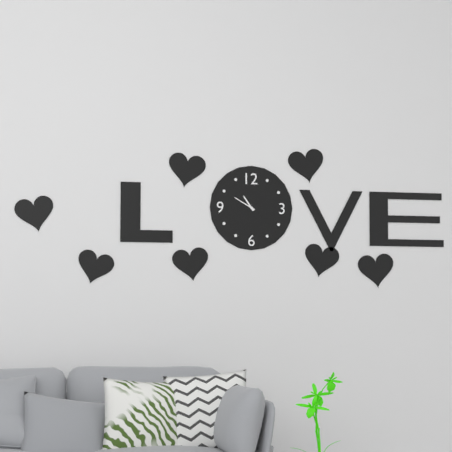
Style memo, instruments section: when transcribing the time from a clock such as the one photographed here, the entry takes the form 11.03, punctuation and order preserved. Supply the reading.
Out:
10.50
